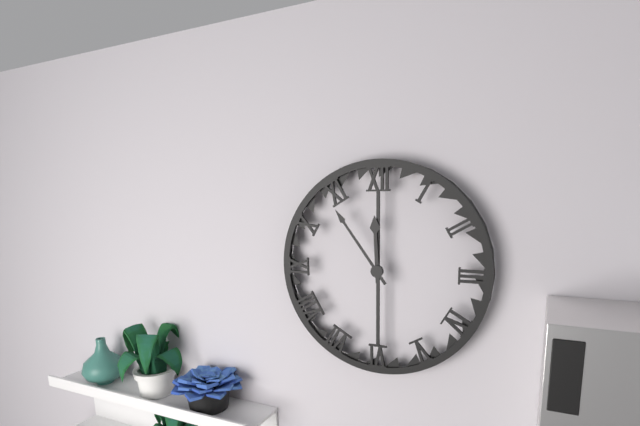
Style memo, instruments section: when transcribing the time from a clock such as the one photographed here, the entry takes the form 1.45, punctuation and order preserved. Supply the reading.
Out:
11.54
